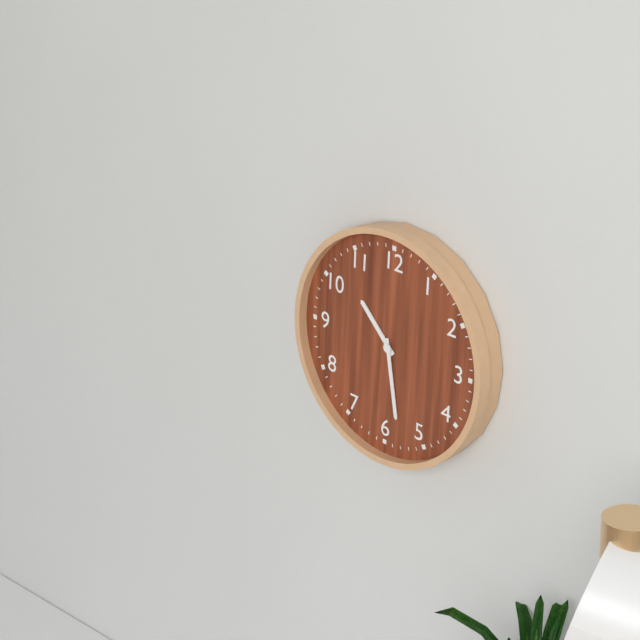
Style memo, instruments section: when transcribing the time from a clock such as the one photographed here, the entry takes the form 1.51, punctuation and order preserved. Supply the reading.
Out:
10.28
